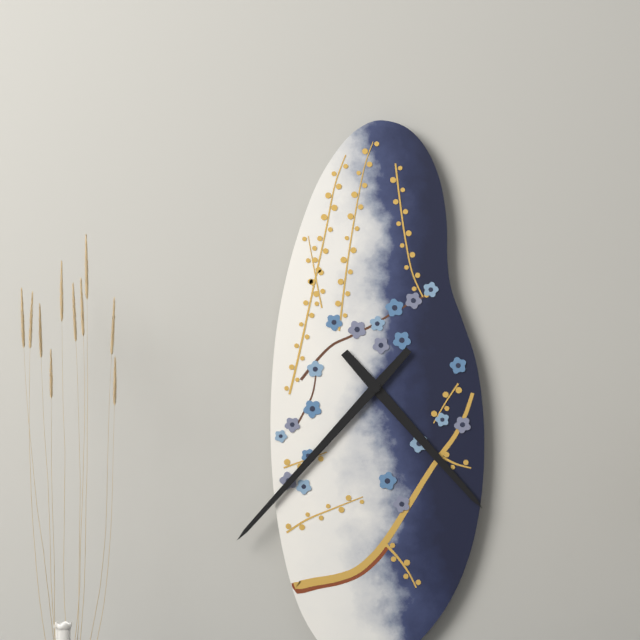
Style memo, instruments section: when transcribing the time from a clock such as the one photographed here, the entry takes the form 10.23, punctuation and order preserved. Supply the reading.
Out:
4.37
